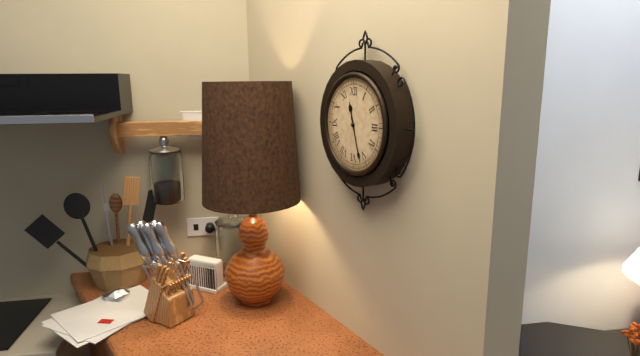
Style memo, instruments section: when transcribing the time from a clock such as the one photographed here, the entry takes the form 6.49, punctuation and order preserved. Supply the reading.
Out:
11.27
